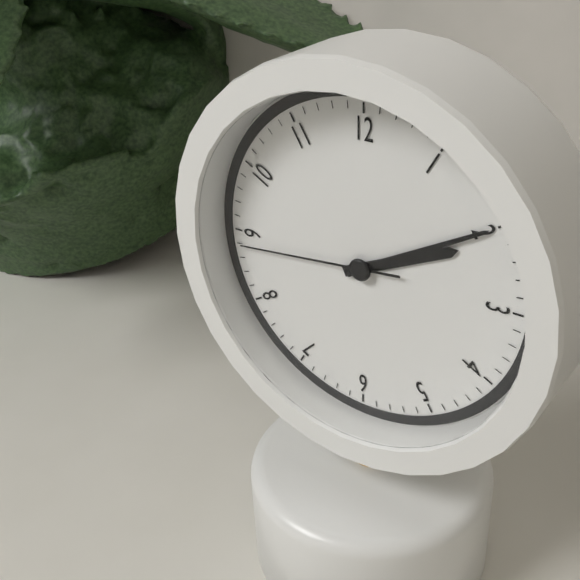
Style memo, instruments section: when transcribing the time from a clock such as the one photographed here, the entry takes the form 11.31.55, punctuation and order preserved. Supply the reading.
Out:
2.10.44
